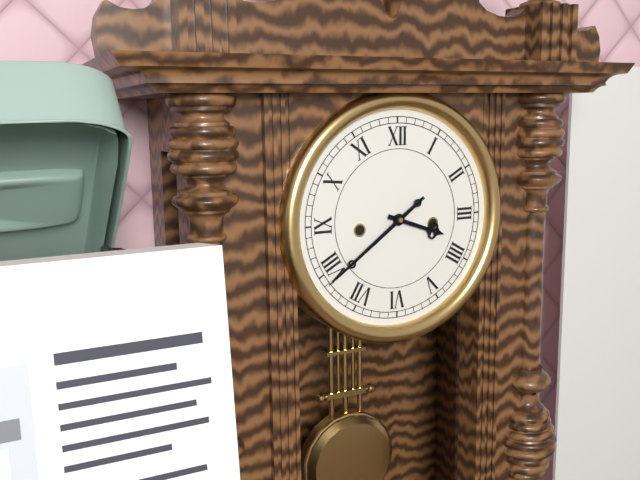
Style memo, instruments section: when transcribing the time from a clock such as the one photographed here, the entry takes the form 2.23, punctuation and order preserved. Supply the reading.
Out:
3.39
